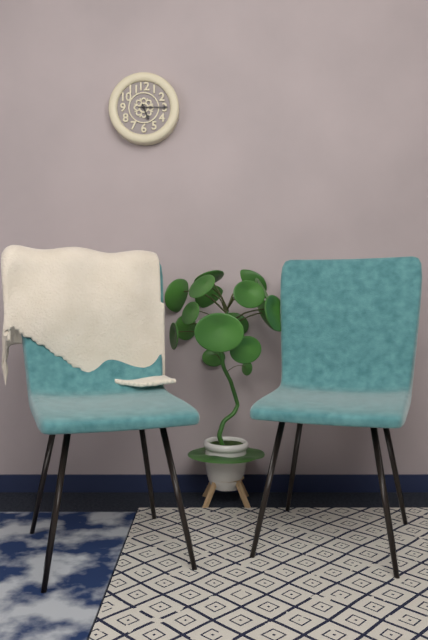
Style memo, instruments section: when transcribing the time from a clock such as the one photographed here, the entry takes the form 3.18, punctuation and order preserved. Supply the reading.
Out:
5.15
